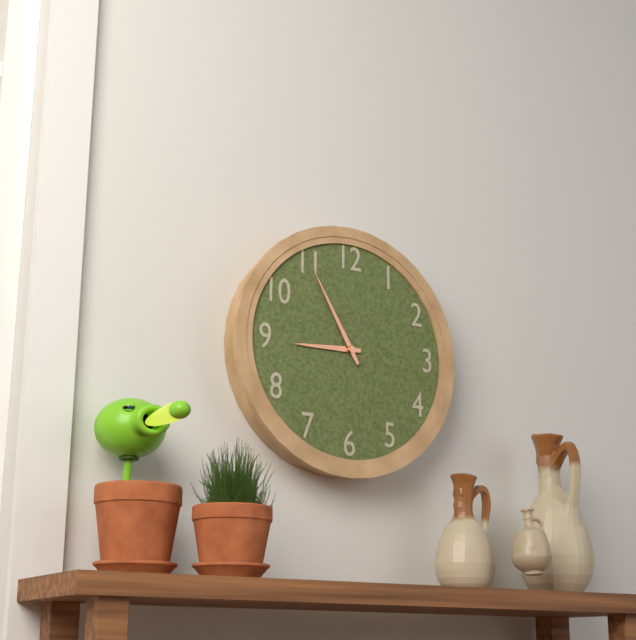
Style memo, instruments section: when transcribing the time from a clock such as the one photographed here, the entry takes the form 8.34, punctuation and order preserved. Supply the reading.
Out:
8.55
